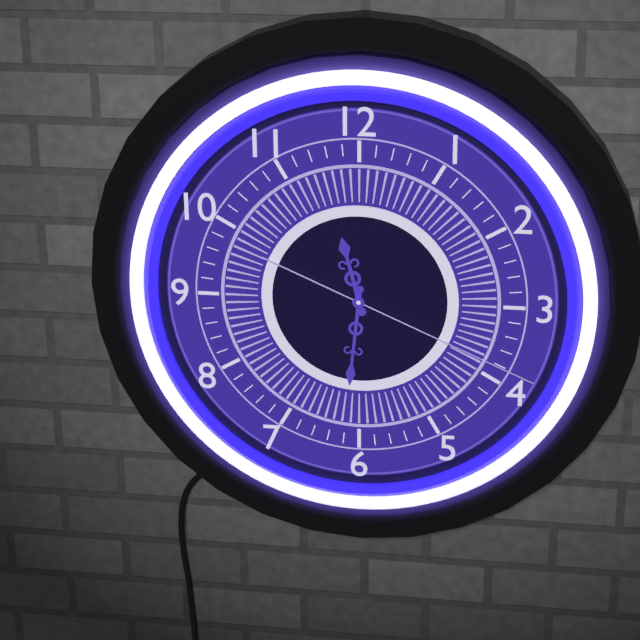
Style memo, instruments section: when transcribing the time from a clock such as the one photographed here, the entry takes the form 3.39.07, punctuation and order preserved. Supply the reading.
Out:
11.31.19
